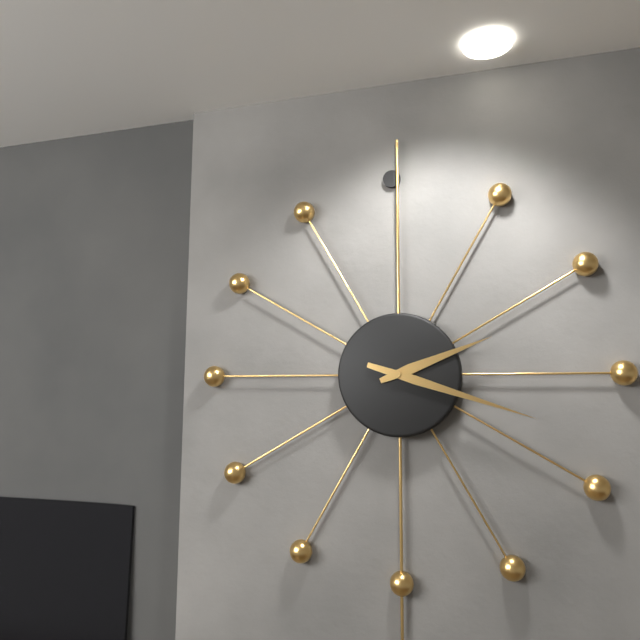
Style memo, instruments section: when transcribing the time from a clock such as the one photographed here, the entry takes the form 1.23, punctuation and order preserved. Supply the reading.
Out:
2.18
